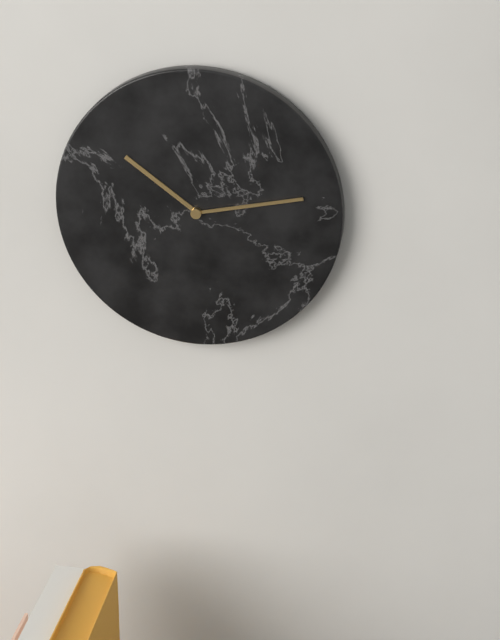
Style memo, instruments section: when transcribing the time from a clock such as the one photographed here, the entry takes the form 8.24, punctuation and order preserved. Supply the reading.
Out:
10.13
